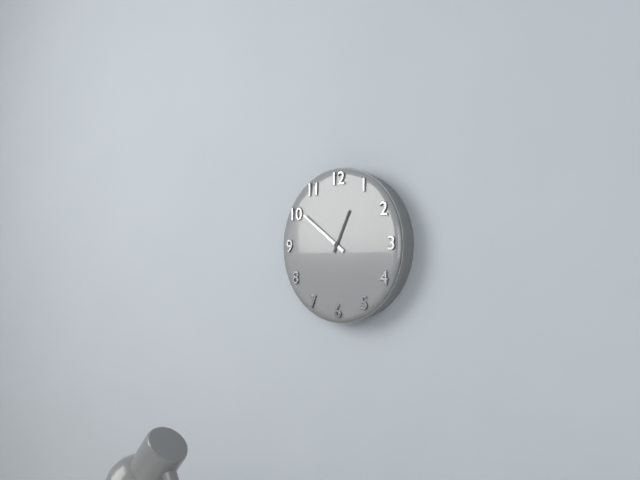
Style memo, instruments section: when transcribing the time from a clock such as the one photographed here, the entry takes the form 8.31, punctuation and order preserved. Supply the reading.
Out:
12.51
